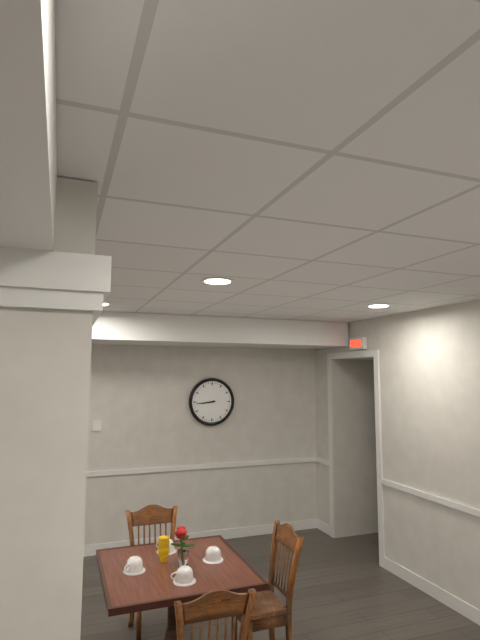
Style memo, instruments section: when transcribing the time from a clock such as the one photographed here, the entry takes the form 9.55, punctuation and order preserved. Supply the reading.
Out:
8.44
